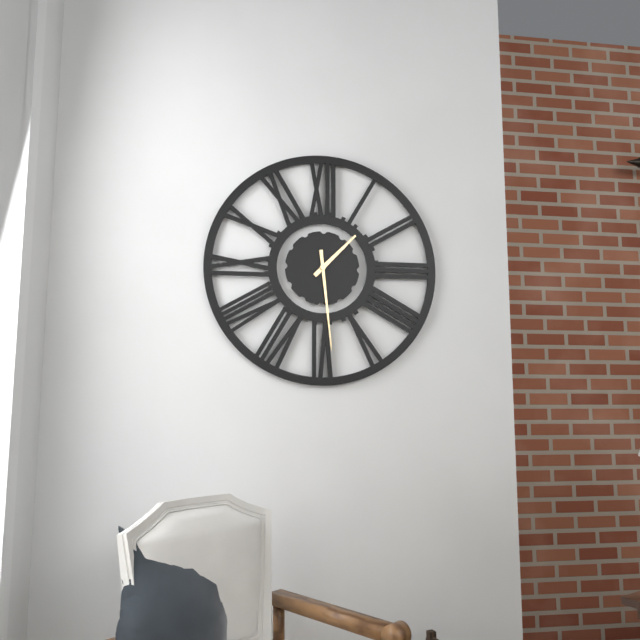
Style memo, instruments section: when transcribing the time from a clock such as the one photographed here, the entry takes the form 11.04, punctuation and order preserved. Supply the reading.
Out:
1.29
